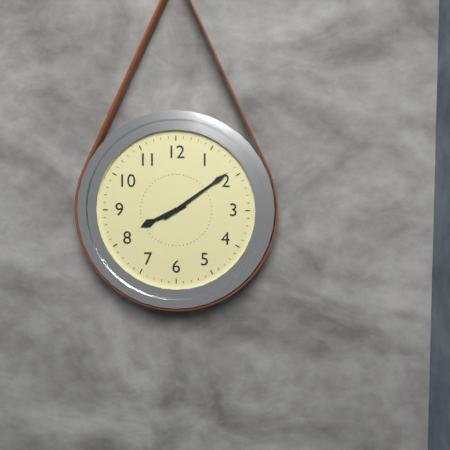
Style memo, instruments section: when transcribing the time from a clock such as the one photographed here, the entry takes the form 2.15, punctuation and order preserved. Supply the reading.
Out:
8.09
